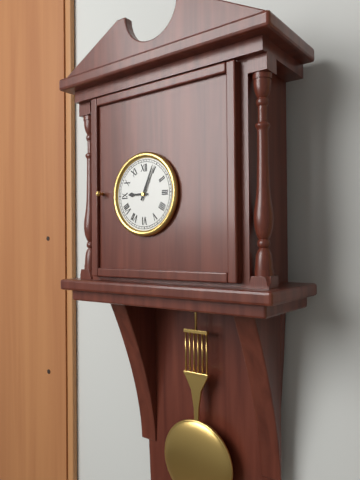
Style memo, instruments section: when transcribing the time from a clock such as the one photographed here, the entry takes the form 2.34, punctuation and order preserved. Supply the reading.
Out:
9.04
